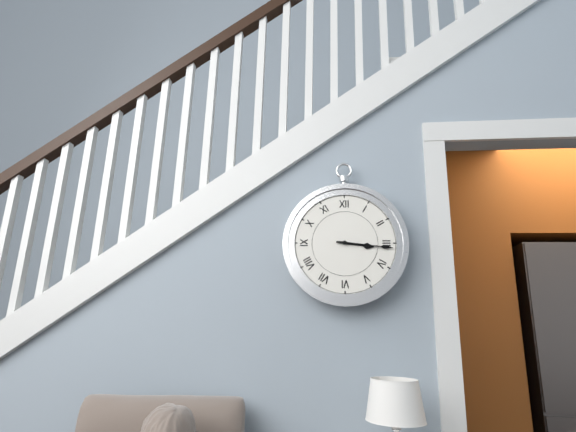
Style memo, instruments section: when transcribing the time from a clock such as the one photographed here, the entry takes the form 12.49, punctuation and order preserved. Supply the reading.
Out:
3.16
